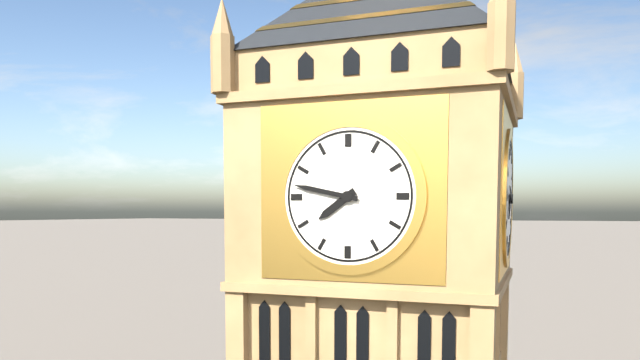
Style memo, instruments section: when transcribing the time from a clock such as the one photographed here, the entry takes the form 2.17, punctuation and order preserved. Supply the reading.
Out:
7.47
